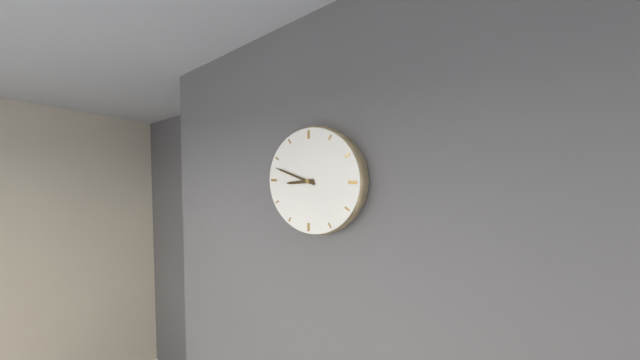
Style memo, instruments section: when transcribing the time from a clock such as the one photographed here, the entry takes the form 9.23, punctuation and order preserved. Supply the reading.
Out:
8.48
